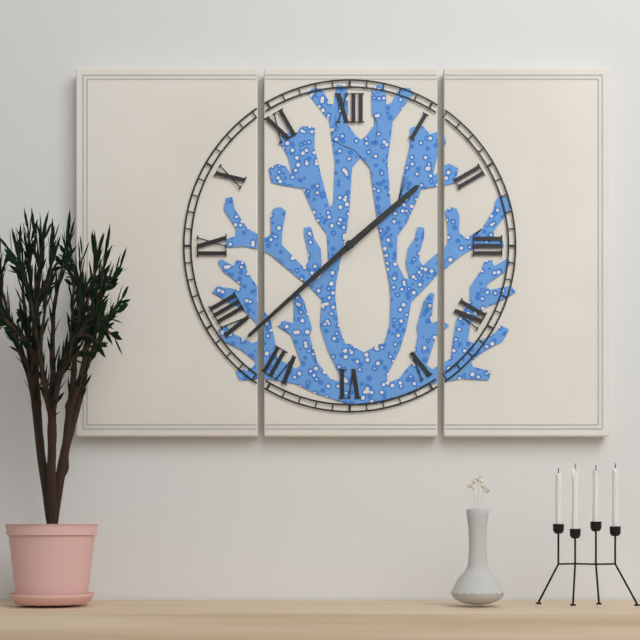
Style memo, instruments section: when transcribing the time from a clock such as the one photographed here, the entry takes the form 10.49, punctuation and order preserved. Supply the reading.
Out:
1.38
